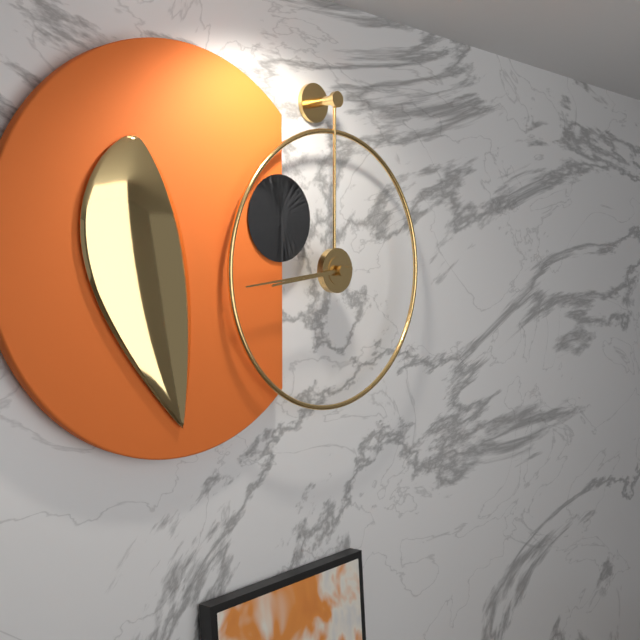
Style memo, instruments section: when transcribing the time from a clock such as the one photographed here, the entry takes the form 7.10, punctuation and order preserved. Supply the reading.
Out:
8.44
